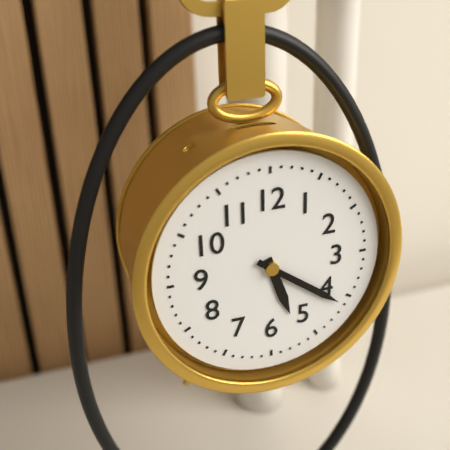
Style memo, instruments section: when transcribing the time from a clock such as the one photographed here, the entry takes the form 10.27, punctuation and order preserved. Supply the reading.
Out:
5.21
